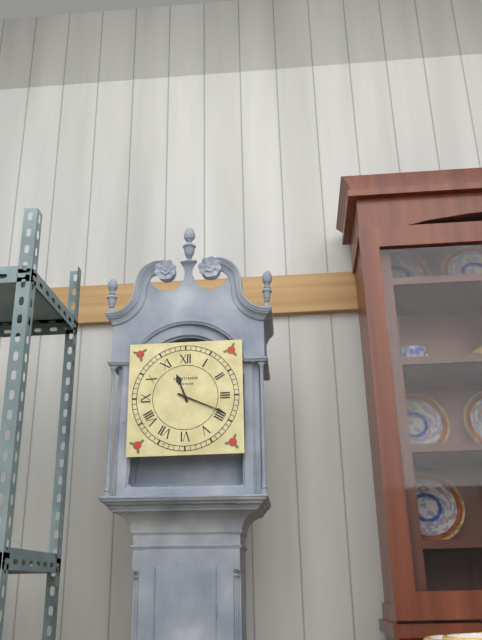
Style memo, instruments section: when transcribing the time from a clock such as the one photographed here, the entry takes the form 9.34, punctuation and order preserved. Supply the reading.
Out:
11.19
